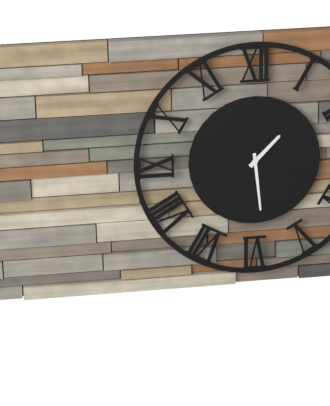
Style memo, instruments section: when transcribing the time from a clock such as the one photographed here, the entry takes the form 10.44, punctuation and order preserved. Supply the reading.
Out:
1.29
